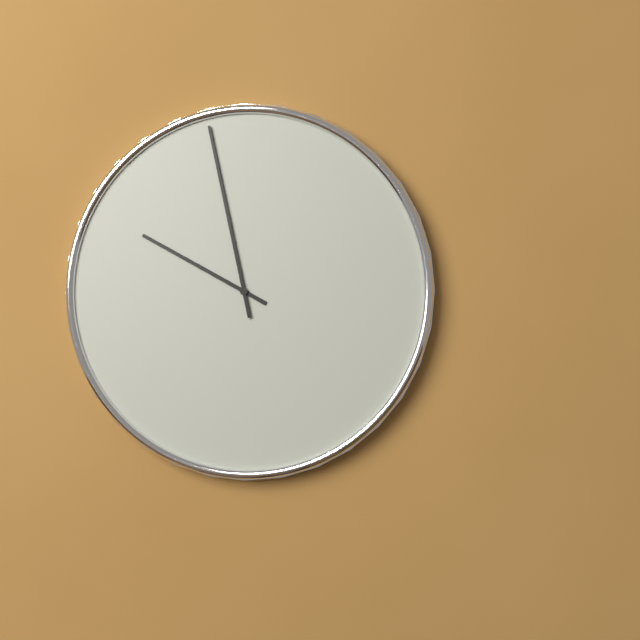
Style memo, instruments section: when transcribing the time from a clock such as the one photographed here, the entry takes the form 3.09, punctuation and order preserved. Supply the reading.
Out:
9.58
